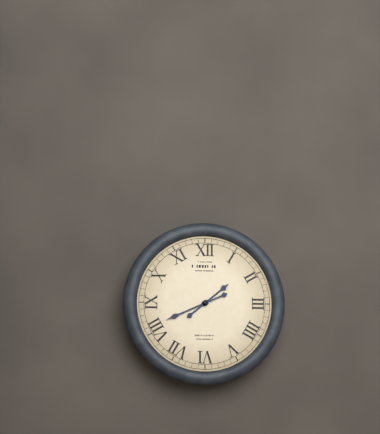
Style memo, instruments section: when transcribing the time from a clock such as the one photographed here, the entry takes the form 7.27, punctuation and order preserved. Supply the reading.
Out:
1.41
